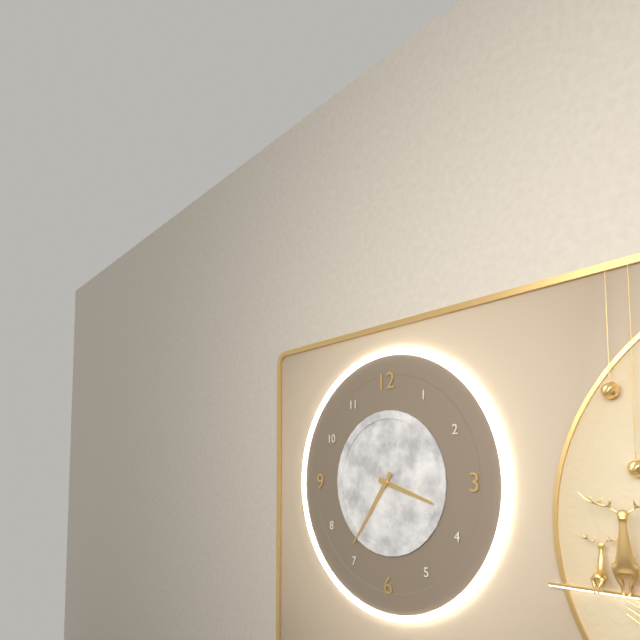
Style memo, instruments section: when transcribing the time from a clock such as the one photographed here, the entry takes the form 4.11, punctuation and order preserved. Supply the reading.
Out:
3.36
